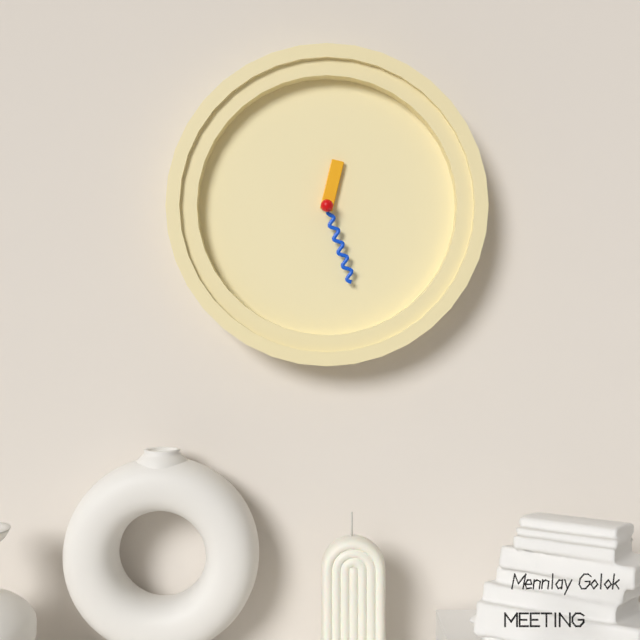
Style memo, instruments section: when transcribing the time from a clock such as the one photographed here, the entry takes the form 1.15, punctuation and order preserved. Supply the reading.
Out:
12.27
